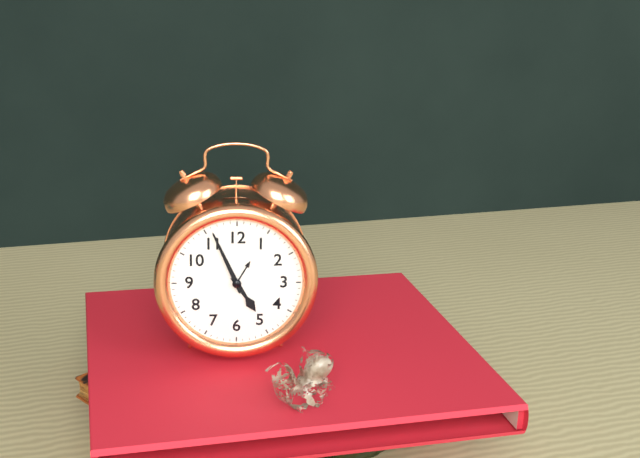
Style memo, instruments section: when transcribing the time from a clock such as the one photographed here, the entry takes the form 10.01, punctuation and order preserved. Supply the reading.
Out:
4.56
